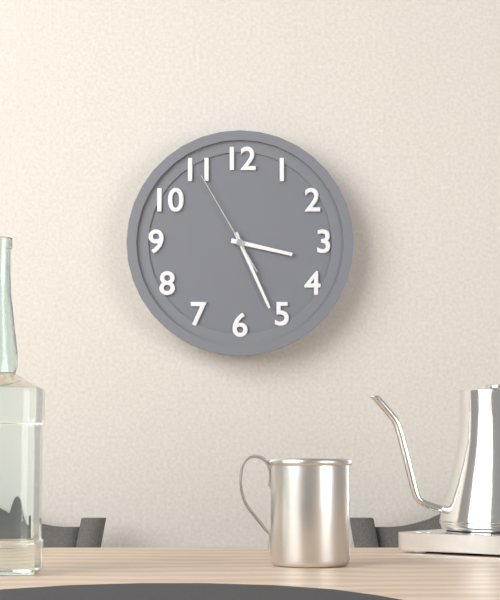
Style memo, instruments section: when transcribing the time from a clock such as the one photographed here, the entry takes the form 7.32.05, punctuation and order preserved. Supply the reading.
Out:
3.26.55
